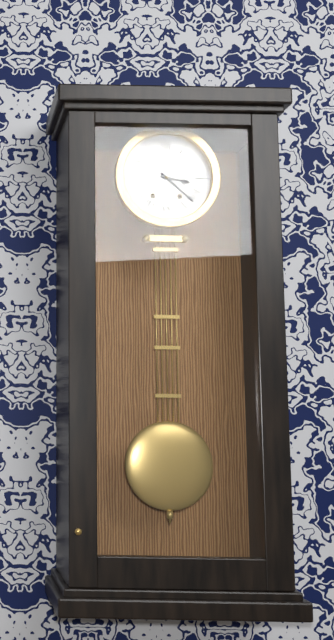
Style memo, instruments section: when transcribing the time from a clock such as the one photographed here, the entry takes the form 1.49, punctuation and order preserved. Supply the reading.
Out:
3.22
